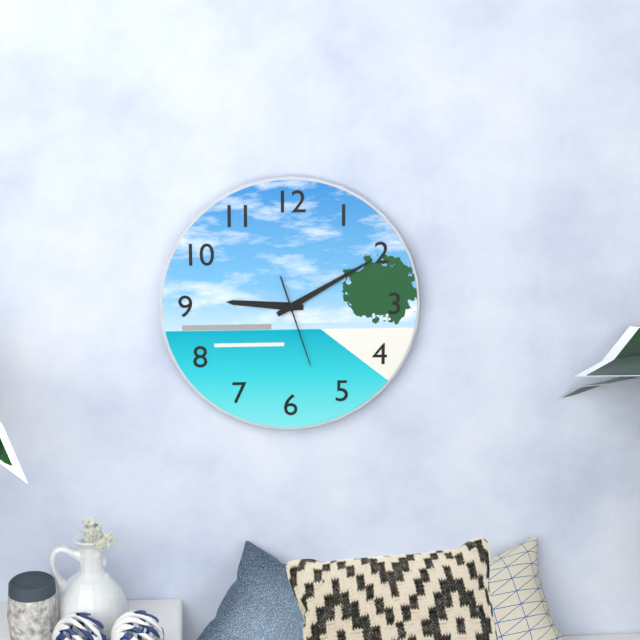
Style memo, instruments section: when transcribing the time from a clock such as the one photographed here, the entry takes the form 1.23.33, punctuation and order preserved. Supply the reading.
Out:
9.10.27
